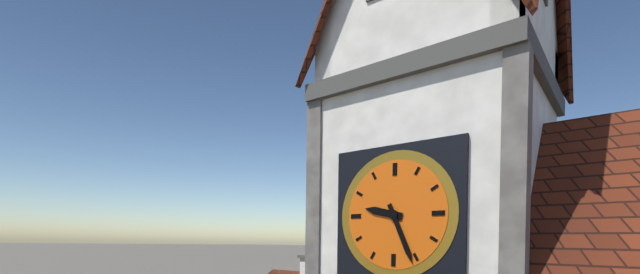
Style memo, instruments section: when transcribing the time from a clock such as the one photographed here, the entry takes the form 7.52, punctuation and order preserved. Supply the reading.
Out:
9.26
